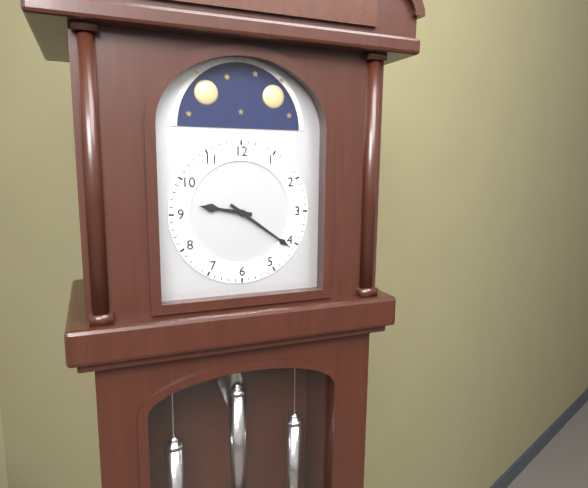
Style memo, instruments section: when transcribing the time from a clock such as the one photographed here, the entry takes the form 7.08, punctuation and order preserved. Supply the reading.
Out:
9.21
